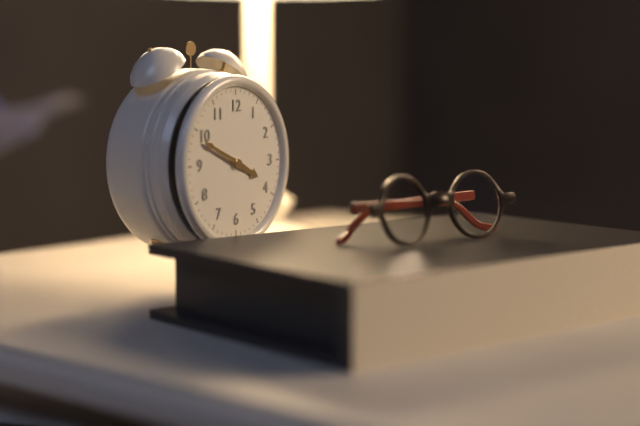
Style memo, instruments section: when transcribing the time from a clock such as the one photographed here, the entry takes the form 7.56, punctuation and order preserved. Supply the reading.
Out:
3.49
